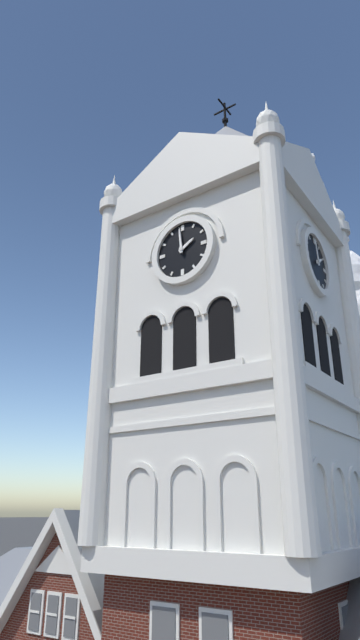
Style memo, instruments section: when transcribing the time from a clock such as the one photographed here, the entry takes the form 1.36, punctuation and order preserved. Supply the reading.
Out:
1.59
